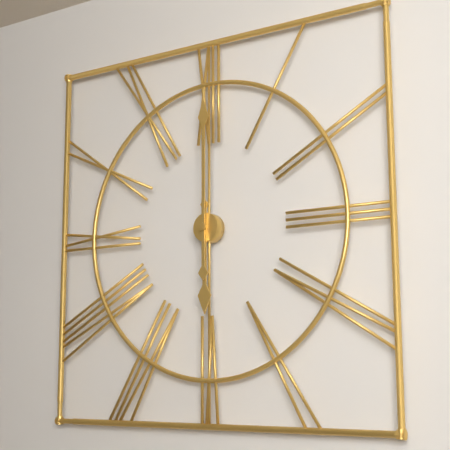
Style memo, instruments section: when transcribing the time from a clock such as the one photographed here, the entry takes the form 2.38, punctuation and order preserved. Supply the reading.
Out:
6.00
